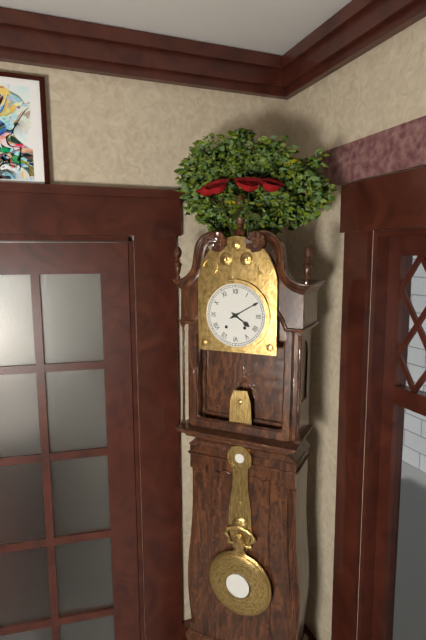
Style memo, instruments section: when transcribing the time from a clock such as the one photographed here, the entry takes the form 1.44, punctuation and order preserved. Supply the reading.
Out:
4.10
